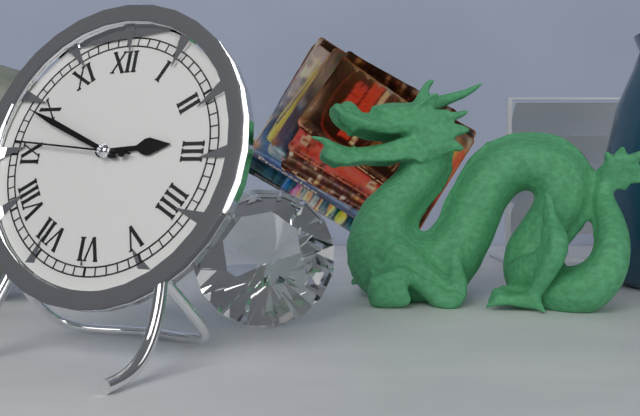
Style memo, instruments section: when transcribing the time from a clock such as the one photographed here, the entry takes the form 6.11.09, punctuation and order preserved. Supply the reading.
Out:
2.49.46
